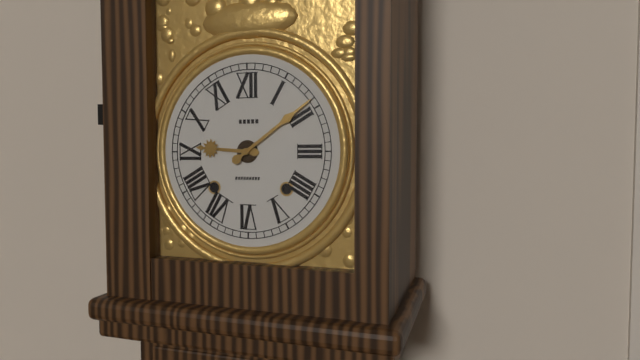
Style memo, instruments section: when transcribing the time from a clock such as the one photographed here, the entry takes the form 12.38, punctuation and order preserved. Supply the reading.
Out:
9.09
